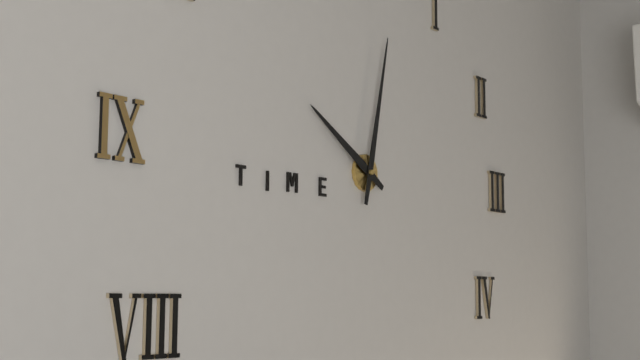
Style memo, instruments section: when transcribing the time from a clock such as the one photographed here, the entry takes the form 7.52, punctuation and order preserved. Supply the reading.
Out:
10.02
